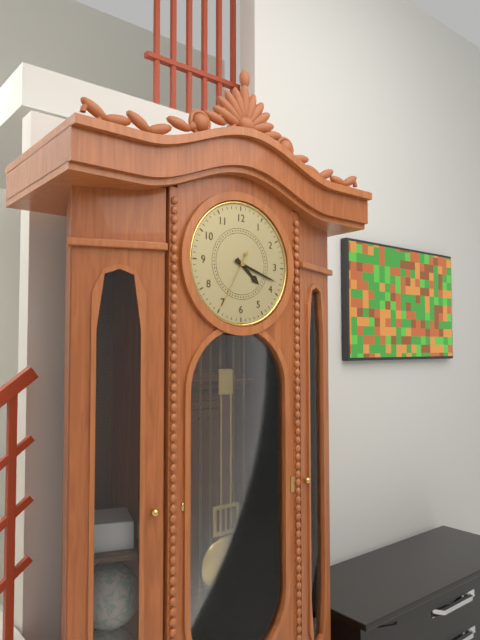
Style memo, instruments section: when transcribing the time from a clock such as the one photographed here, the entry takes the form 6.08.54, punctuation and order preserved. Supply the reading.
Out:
4.18.35
